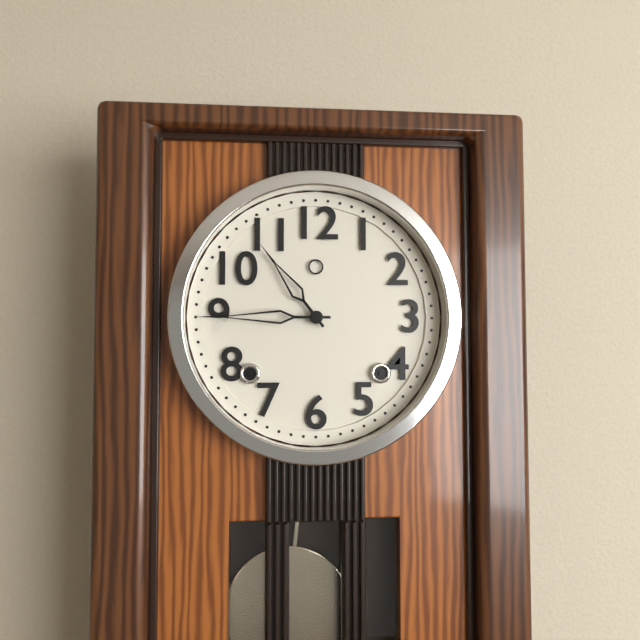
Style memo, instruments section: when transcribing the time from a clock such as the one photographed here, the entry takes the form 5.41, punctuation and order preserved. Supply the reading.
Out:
10.45
